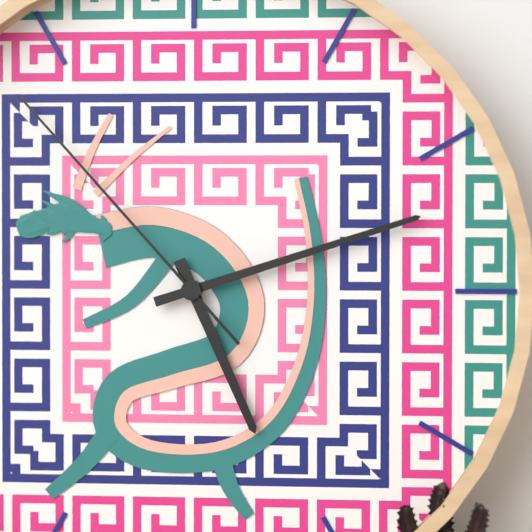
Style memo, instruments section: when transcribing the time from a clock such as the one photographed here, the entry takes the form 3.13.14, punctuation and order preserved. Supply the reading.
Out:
5.12.53
